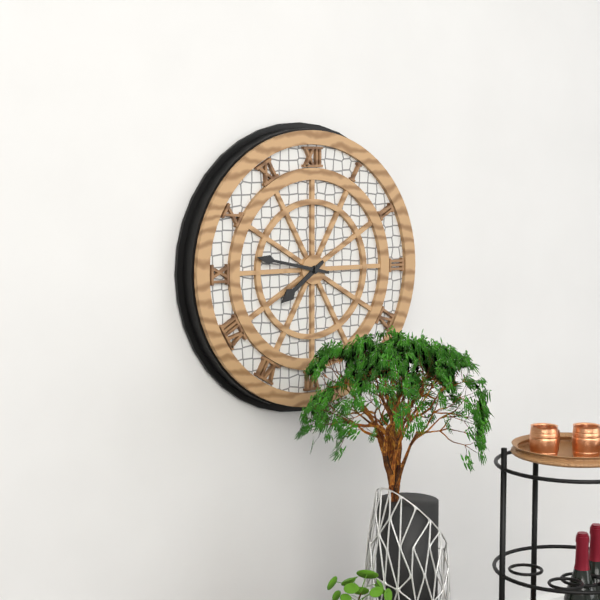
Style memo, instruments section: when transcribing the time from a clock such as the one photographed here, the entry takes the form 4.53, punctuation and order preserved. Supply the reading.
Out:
7.47
